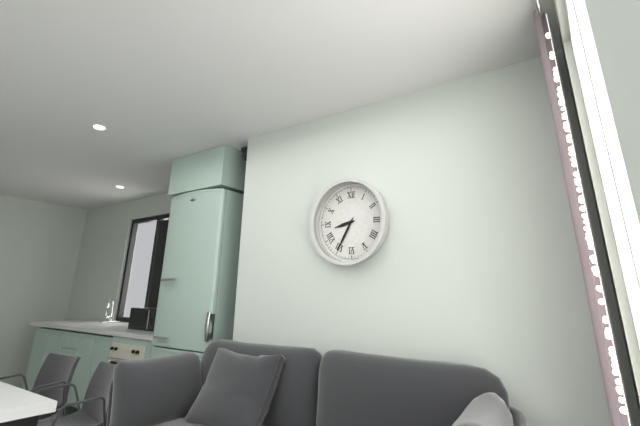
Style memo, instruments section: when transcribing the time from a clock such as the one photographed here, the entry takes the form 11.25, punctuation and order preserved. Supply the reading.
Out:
8.35
